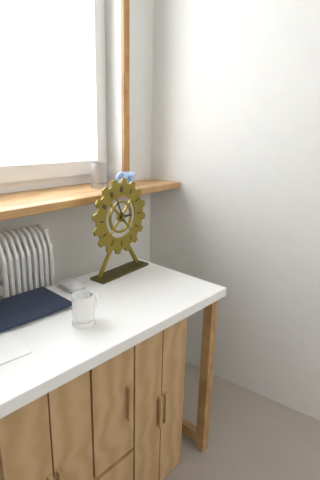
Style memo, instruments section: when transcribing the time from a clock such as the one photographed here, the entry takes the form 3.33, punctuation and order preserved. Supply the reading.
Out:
2.56
